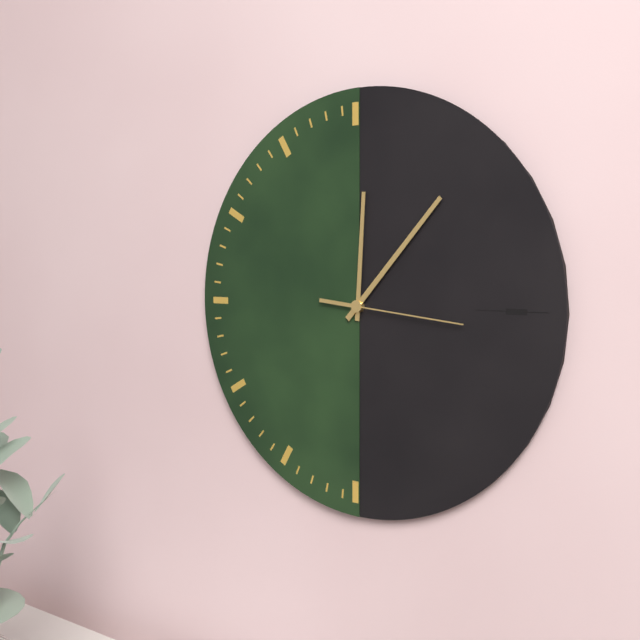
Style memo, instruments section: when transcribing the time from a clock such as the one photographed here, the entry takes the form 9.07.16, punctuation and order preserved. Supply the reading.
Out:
12.07.16
